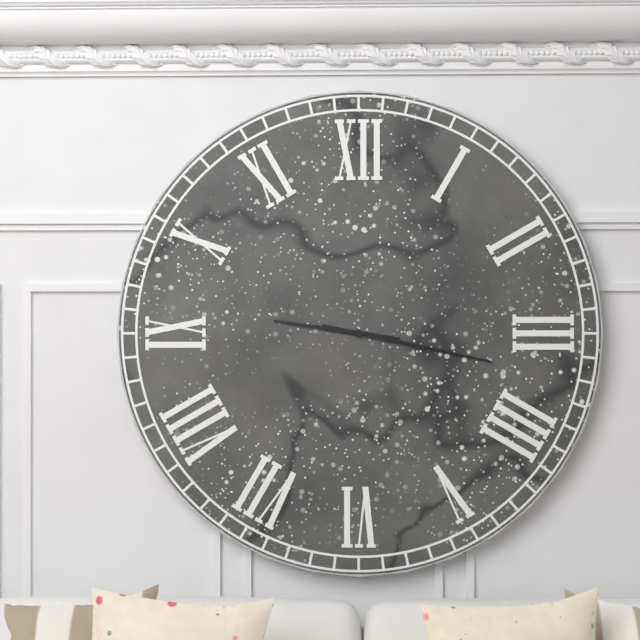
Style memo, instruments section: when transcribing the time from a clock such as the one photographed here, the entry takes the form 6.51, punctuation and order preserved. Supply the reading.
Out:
9.17
